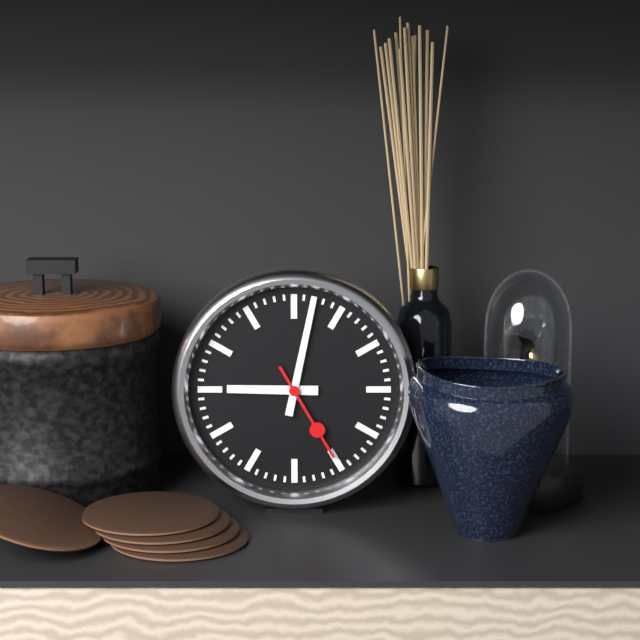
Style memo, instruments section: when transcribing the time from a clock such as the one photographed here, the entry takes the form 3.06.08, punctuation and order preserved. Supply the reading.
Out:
9.02.25
